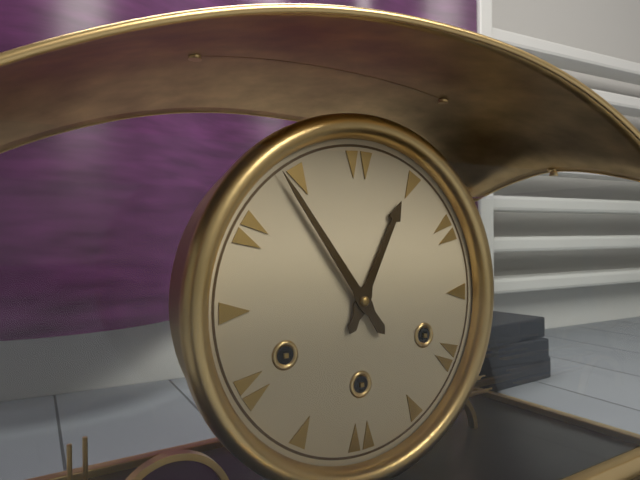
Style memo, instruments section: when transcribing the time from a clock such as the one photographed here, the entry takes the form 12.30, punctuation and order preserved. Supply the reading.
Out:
12.54
